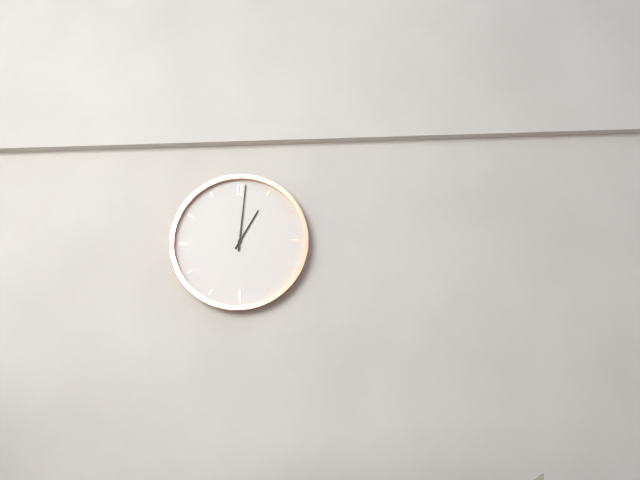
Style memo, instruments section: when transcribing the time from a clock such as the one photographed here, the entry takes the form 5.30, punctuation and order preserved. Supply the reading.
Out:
1.01
